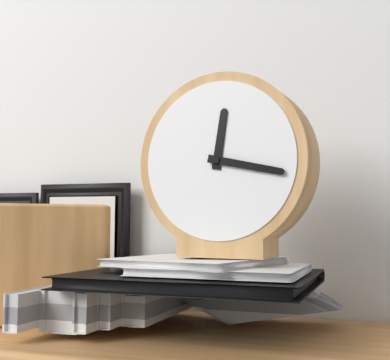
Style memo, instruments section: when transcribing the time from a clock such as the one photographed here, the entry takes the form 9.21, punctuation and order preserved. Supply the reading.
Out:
12.17
